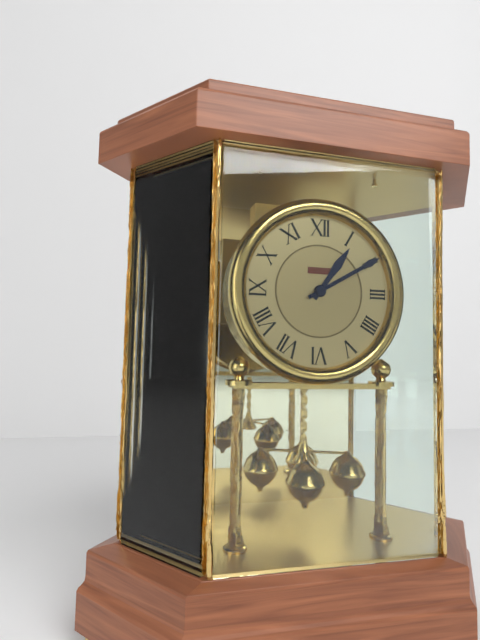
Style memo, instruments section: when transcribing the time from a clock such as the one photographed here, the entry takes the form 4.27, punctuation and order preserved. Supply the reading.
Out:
1.10
